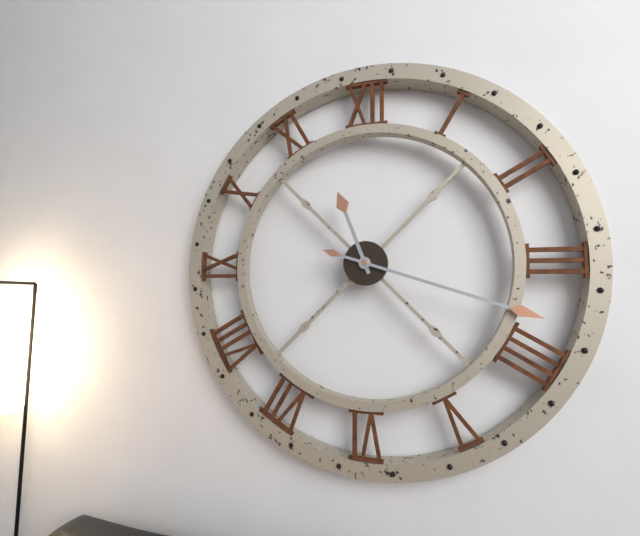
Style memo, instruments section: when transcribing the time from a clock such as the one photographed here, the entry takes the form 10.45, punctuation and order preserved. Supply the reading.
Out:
11.18
